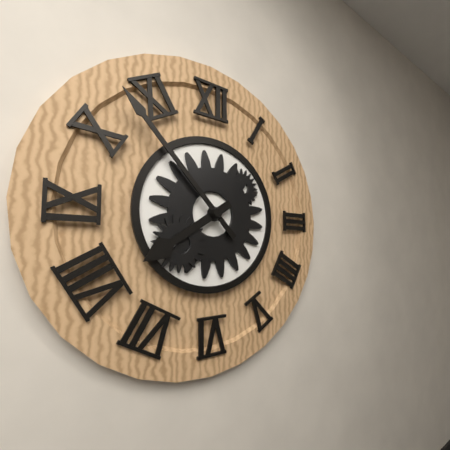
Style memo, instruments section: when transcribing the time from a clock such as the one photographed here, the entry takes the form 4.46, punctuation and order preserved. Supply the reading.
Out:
7.53
